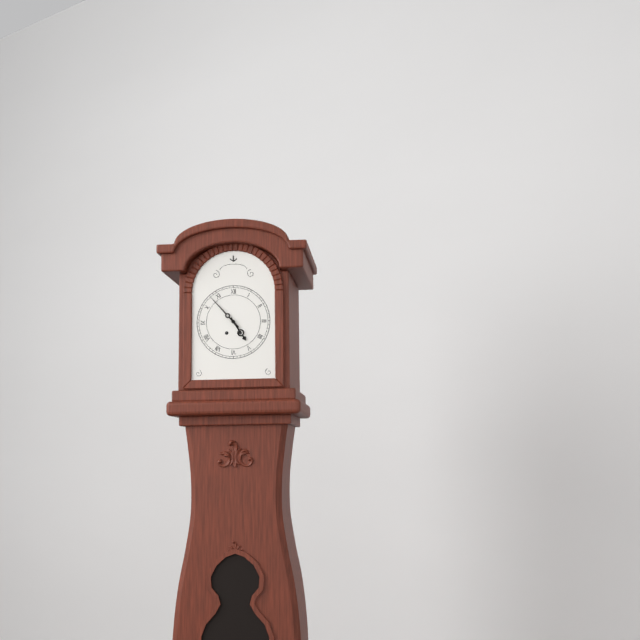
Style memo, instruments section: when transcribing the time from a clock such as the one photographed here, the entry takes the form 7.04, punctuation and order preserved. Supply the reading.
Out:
4.53
